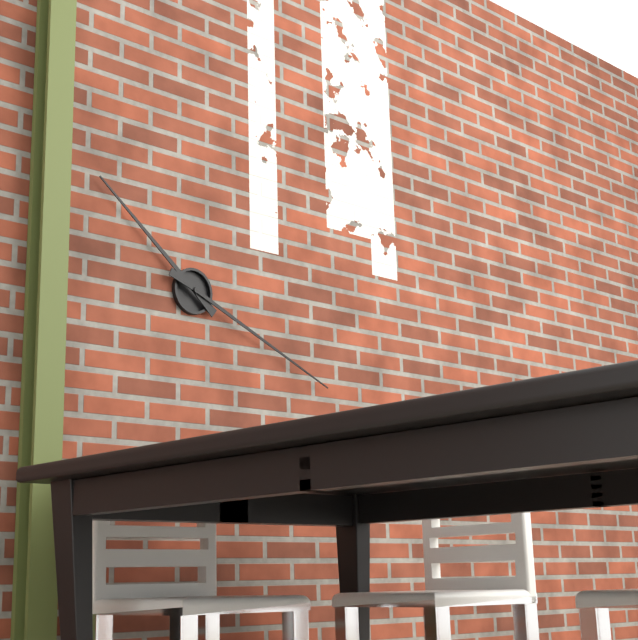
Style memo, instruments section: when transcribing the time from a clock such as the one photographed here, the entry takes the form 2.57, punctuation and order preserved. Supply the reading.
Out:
10.19
